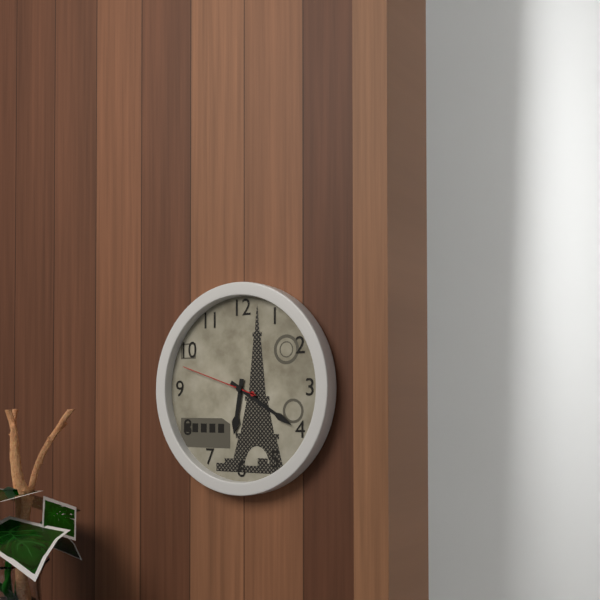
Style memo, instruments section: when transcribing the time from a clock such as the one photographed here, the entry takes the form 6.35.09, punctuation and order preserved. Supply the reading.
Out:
6.20.48
